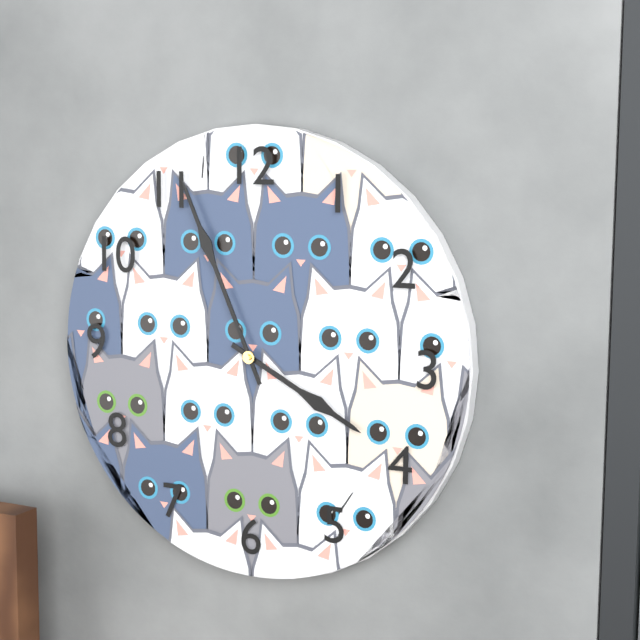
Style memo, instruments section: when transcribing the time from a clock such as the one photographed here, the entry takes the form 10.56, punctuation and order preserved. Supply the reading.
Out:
3.56
